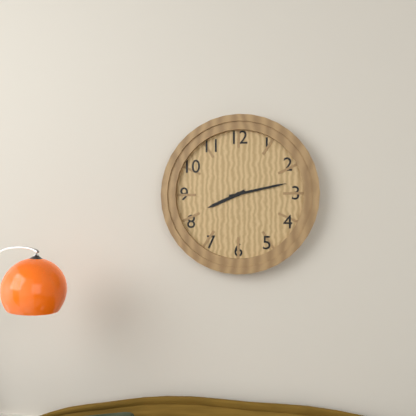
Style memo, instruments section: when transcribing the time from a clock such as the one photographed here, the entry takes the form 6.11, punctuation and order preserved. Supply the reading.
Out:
8.13
